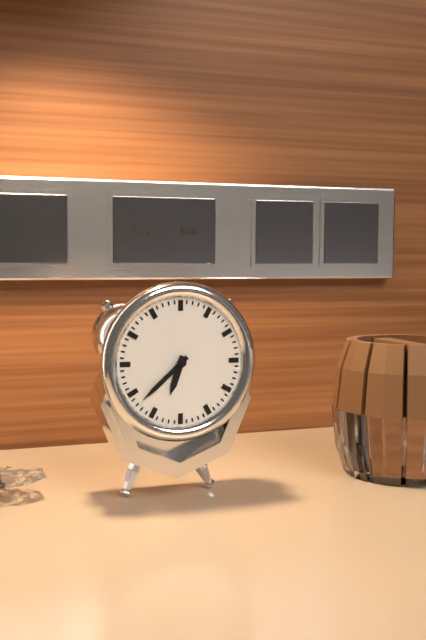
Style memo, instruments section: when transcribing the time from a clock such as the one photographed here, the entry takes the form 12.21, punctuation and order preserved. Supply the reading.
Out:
6.38
